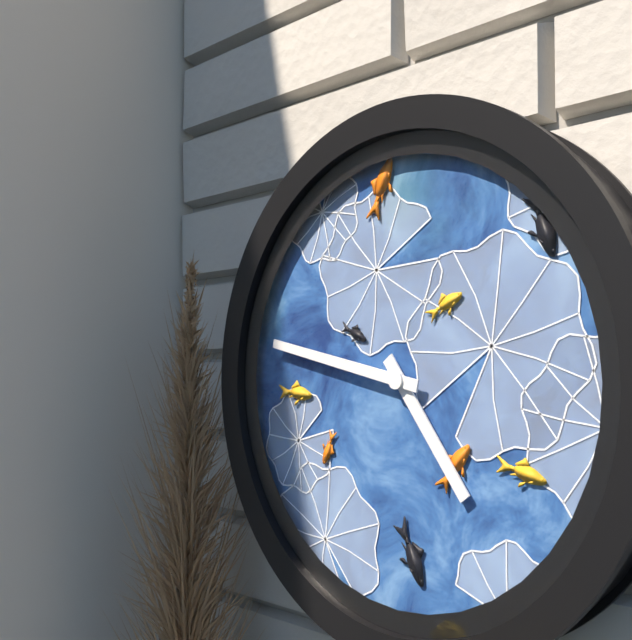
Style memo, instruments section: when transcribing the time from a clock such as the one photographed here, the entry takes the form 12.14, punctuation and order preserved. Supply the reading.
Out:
4.47
